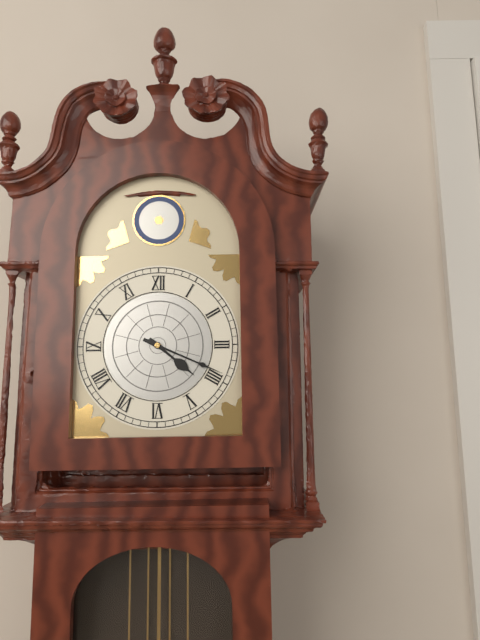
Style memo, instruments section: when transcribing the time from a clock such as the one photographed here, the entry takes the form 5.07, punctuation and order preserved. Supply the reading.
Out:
4.19
